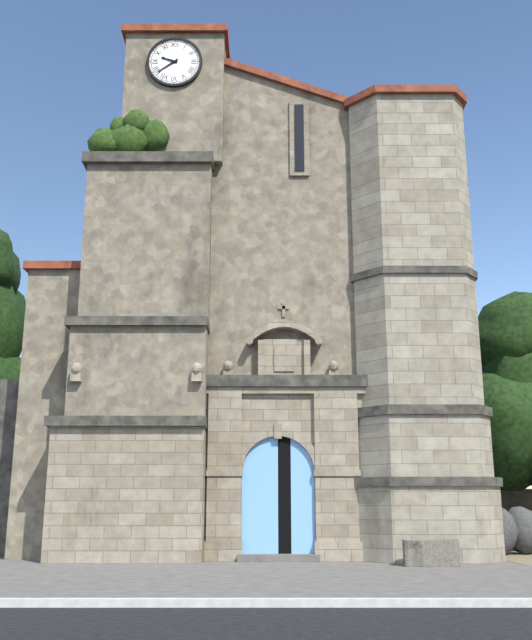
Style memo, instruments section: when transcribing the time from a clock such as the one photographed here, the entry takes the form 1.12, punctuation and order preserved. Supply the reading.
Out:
9.39
